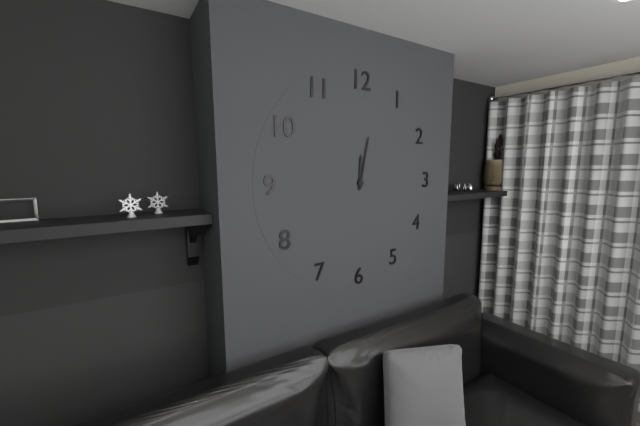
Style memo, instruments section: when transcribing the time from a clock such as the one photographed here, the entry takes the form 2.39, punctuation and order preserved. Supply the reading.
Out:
12.02
